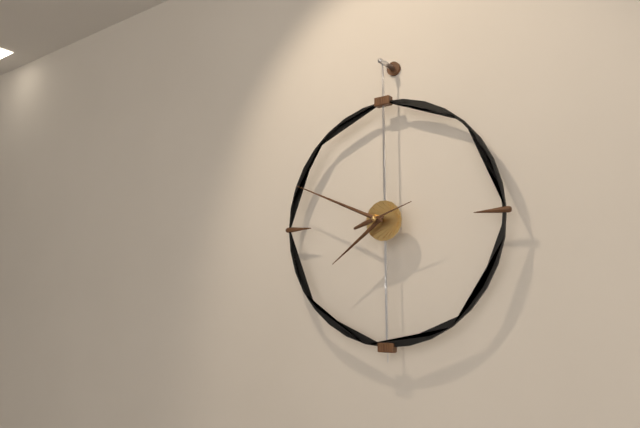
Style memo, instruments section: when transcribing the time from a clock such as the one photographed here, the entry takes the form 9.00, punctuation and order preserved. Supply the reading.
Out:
7.49
